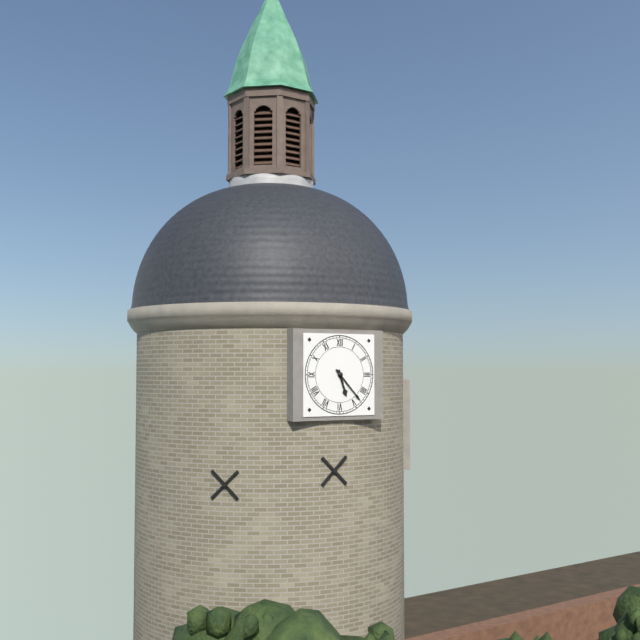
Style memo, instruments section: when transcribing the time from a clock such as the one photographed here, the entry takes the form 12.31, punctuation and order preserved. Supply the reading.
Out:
5.23
